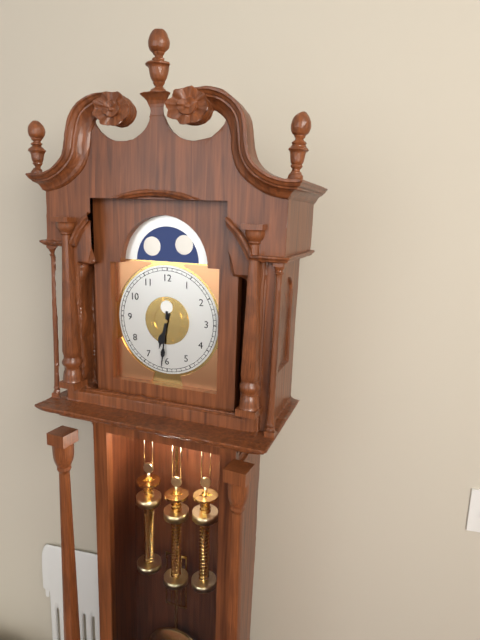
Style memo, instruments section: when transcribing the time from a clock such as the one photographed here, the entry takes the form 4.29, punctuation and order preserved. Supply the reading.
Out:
6.31
